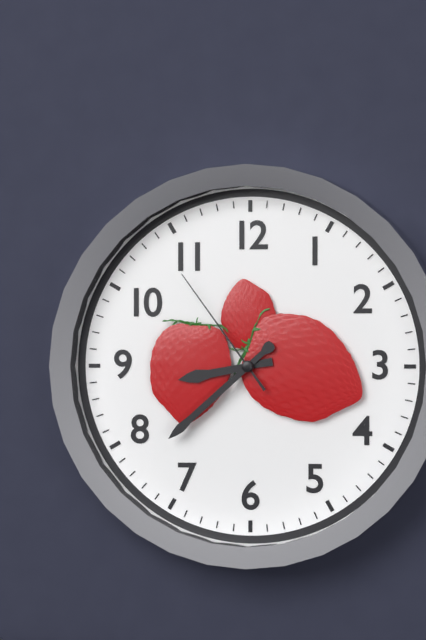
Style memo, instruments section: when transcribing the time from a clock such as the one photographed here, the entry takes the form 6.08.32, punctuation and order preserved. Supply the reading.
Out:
8.38.54
